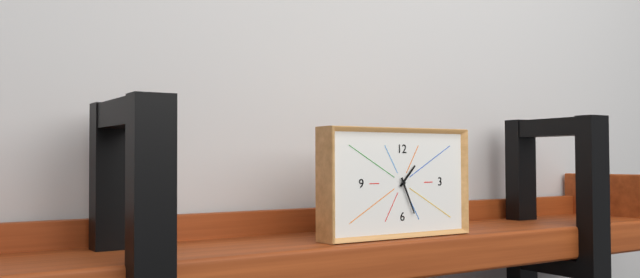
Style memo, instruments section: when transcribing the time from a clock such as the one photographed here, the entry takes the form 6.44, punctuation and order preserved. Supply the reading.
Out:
1.26
